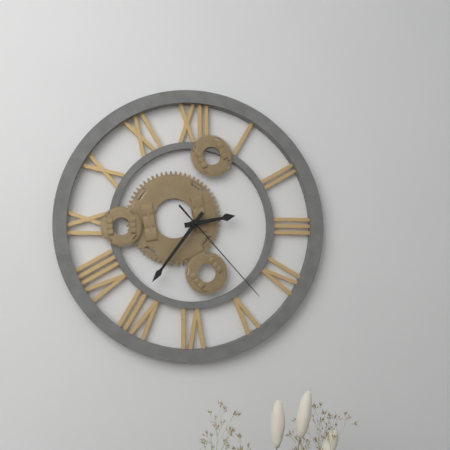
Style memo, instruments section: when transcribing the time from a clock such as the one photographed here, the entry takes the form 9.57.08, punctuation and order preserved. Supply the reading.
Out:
2.36.23
